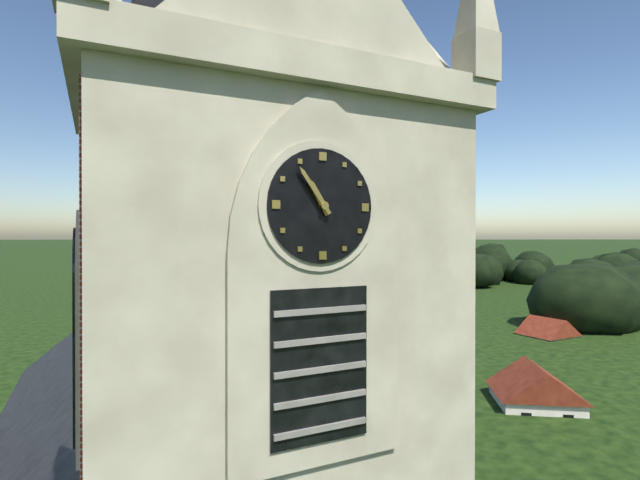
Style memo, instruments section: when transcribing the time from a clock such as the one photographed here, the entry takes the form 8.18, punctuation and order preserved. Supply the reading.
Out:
10.54
